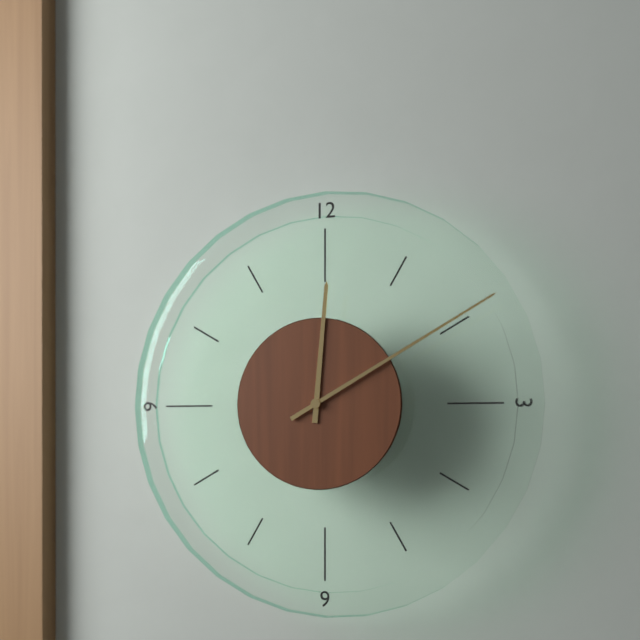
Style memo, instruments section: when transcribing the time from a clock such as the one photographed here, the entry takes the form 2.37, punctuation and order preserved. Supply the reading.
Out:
12.10
